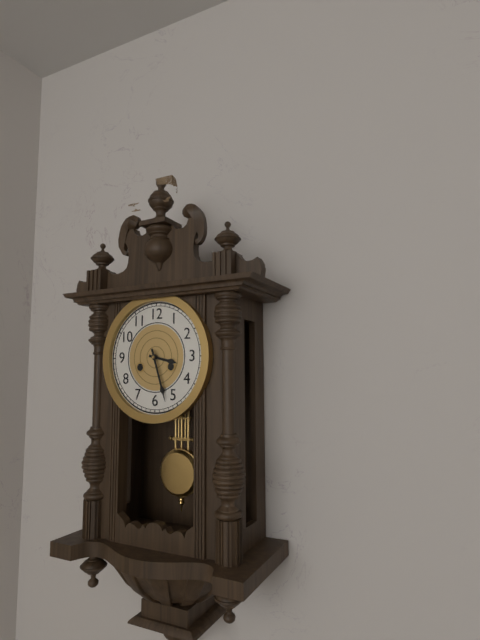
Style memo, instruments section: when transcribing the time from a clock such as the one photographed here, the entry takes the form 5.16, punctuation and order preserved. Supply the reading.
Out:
3.27
